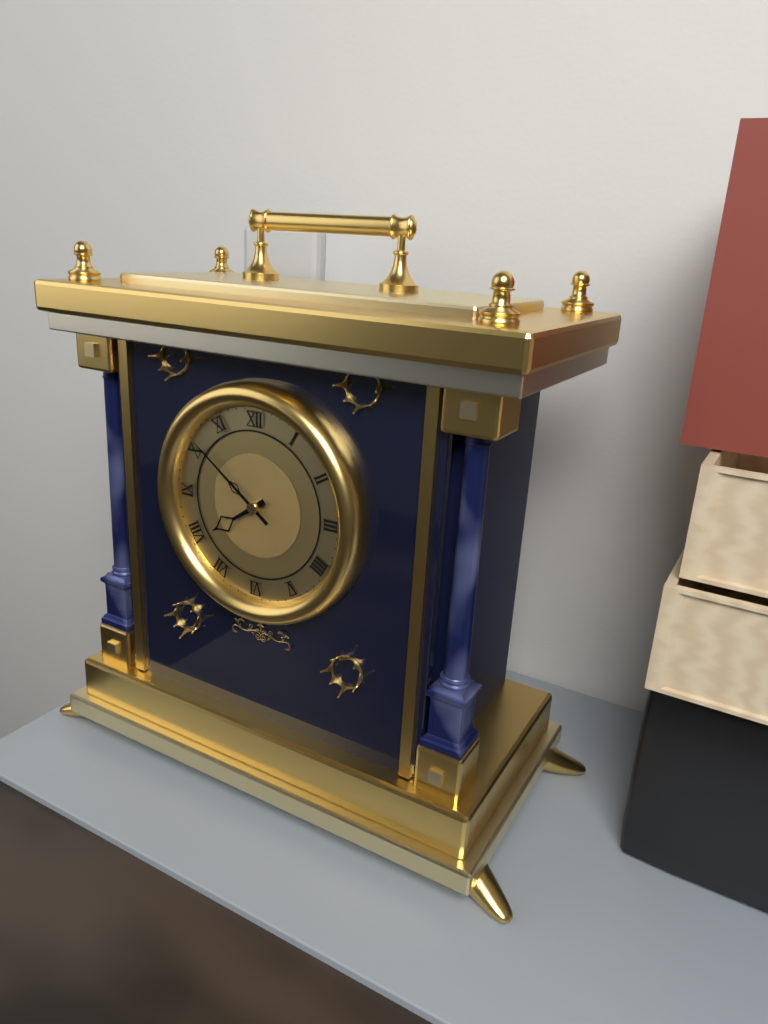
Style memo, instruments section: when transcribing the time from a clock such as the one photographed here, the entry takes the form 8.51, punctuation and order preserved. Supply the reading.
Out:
7.51
